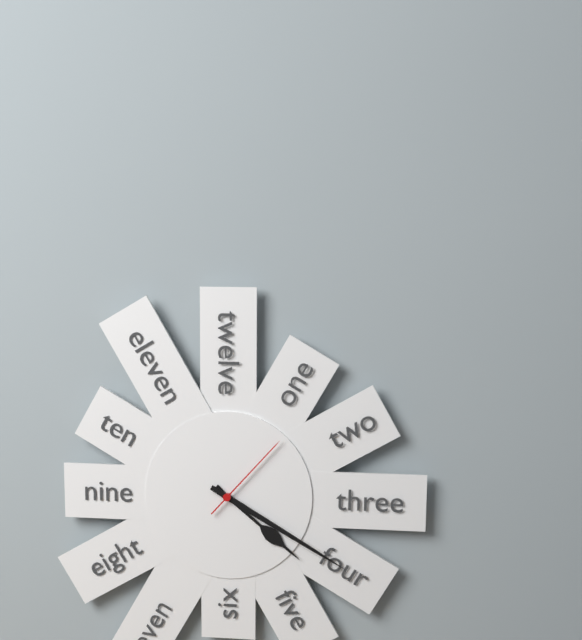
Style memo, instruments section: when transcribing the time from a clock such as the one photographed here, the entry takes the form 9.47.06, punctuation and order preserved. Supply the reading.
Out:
4.20.07
